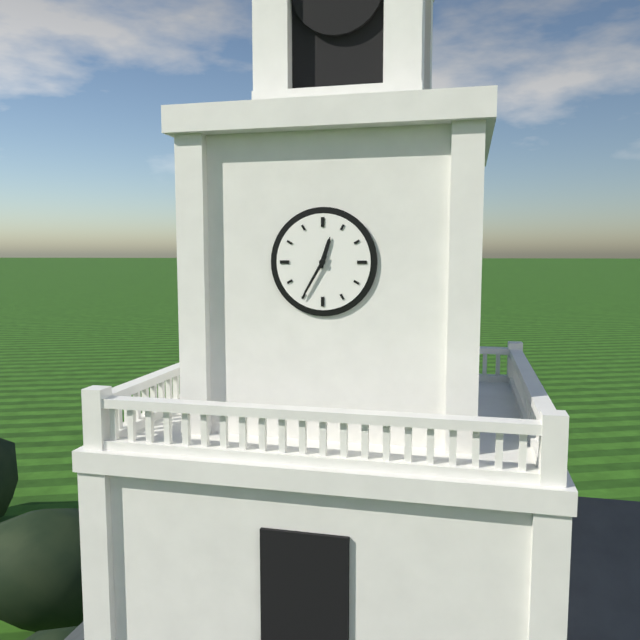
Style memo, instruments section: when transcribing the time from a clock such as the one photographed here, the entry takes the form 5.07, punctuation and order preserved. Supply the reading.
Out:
12.35
